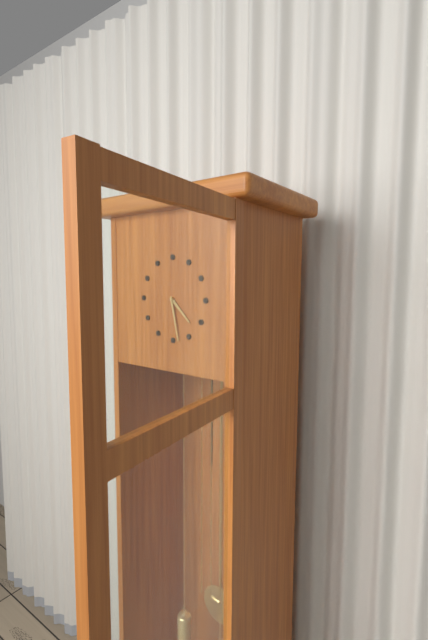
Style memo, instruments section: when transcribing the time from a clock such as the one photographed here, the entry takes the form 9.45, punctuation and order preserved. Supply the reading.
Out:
4.28
